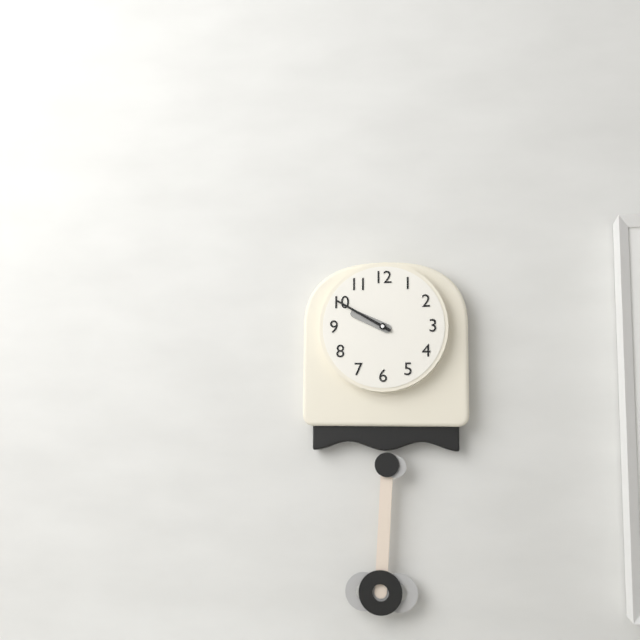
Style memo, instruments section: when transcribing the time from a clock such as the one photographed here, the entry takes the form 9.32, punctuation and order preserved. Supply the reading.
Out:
9.50
